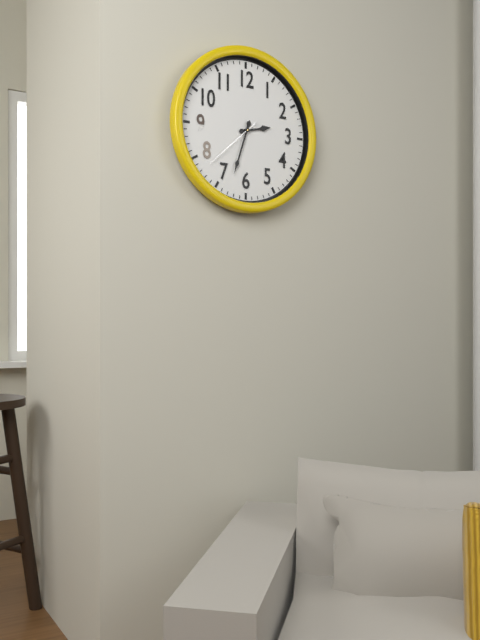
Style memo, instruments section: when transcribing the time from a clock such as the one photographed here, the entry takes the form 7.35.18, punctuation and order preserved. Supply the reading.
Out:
2.33.38
